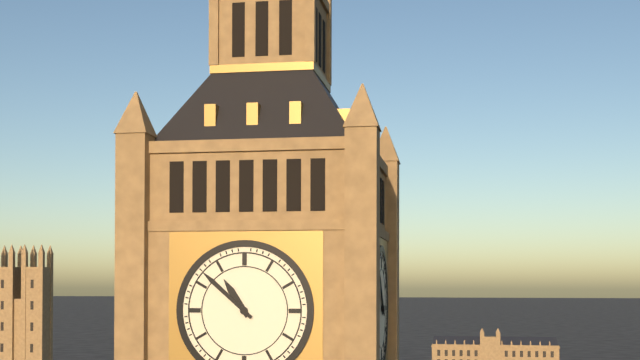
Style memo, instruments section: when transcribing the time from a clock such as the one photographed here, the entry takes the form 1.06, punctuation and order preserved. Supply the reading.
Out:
10.52
